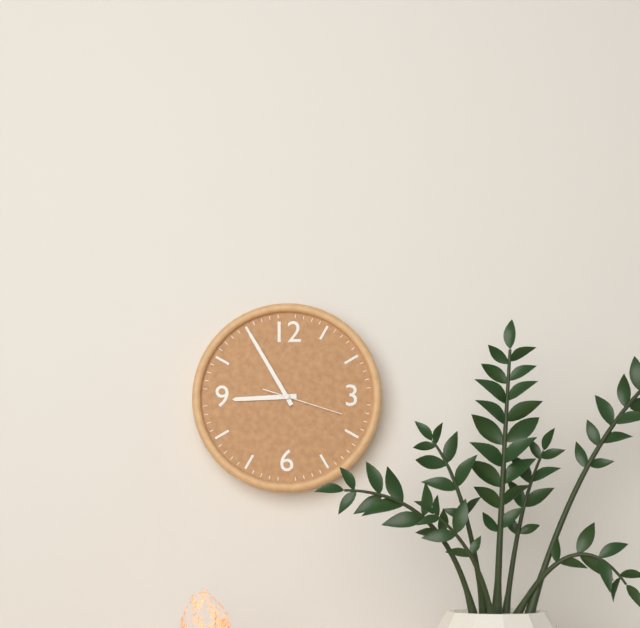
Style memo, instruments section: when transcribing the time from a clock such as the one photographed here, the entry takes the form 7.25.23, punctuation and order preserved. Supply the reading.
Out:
8.55.18
